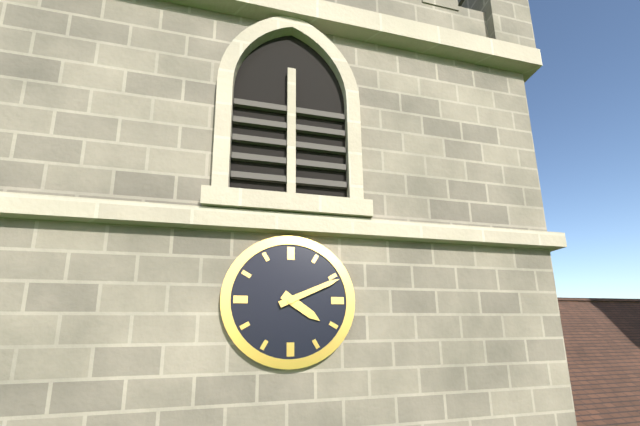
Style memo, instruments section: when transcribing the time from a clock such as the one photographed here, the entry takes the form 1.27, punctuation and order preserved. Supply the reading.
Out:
4.11
